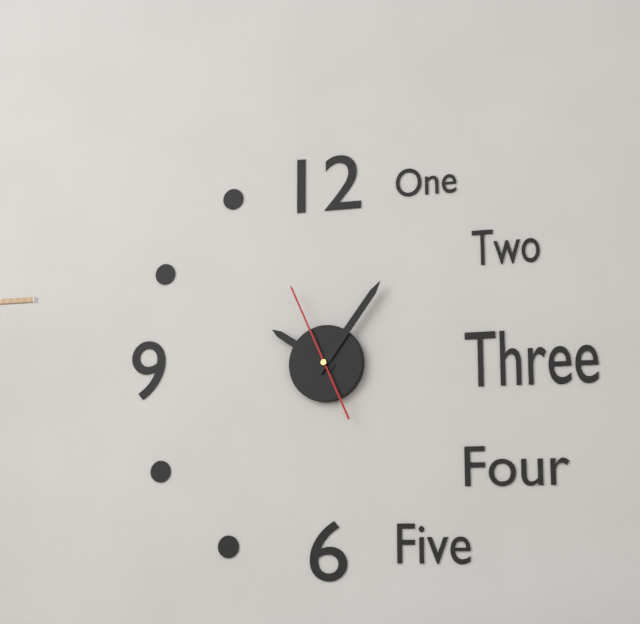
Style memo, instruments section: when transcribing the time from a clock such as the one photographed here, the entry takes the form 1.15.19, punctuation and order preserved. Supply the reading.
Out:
10.06.56
